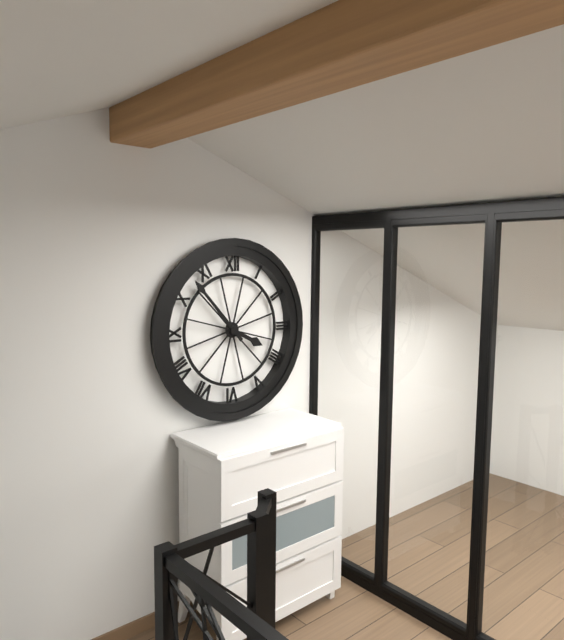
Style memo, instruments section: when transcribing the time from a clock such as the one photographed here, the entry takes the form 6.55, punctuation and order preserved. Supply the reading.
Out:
3.53
